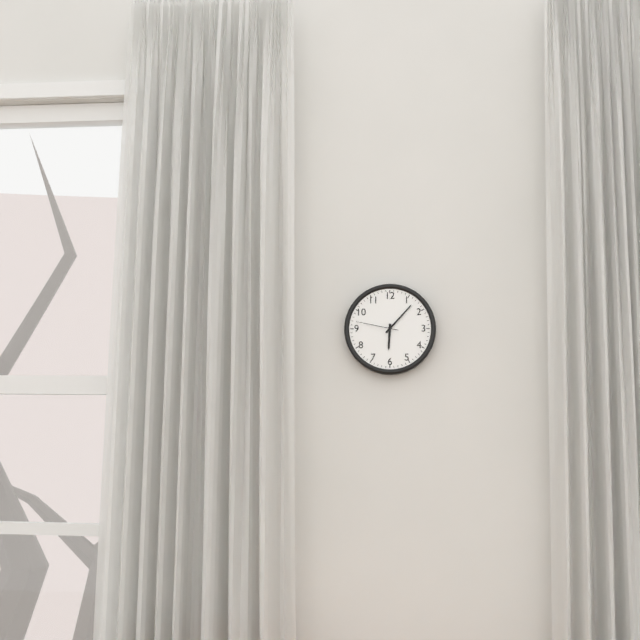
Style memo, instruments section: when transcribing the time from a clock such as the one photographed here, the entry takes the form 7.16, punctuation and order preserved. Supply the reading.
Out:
6.07
